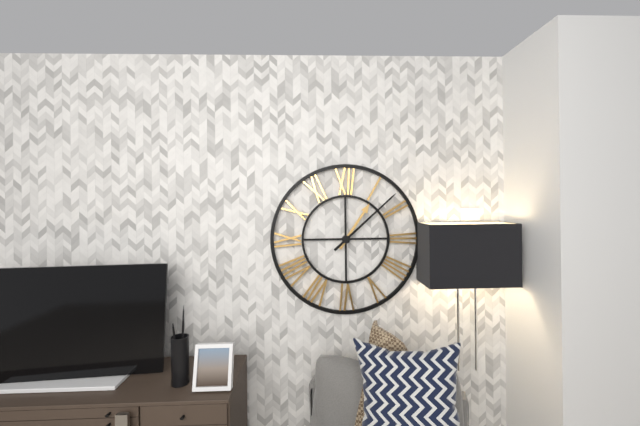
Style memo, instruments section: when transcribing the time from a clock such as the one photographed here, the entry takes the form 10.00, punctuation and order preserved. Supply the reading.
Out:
1.08
